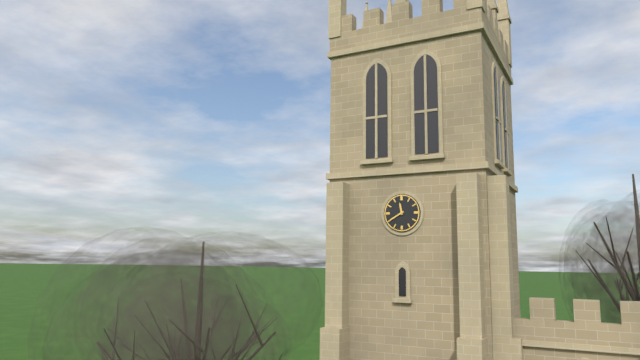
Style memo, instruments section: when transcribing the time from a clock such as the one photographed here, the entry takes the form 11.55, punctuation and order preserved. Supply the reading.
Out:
11.40
